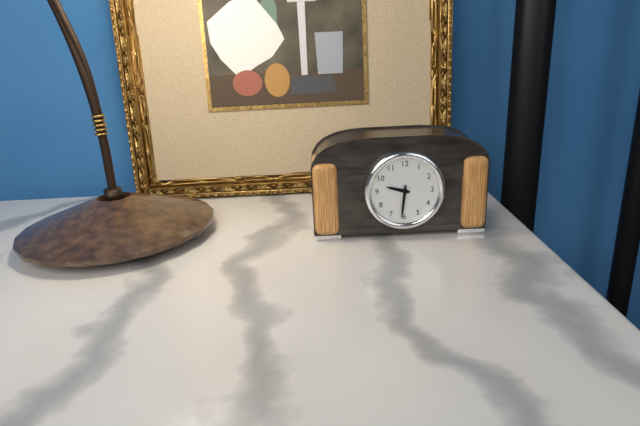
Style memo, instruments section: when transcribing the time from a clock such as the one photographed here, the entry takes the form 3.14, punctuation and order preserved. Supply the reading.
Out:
9.31
